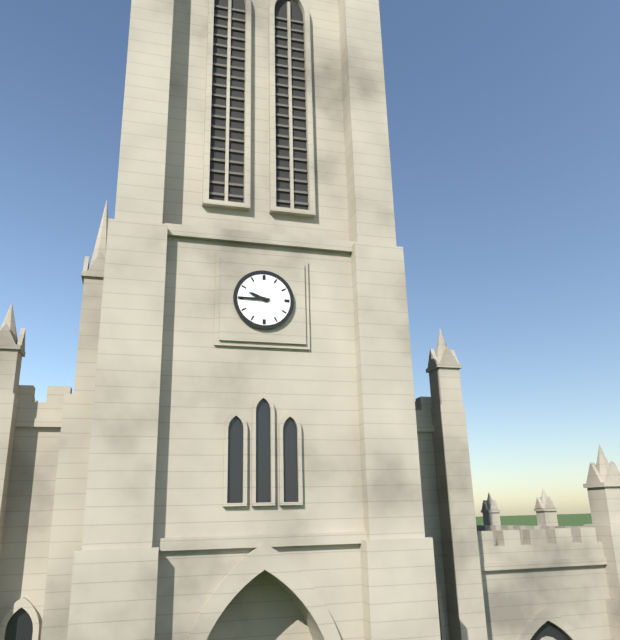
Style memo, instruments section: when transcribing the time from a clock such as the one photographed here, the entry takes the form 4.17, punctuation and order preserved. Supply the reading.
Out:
9.45
